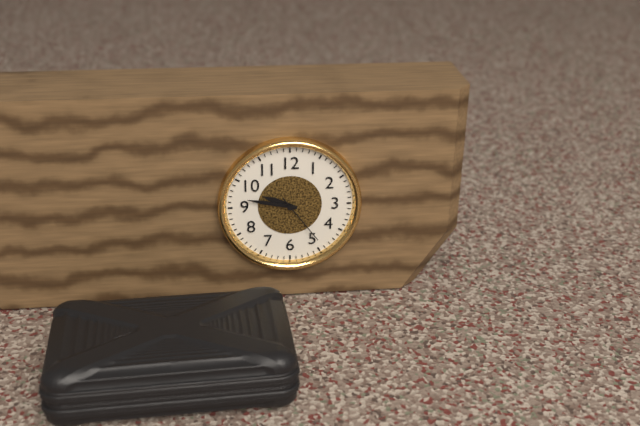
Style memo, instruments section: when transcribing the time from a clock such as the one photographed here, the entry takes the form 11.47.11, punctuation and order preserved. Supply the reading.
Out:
9.47.24
